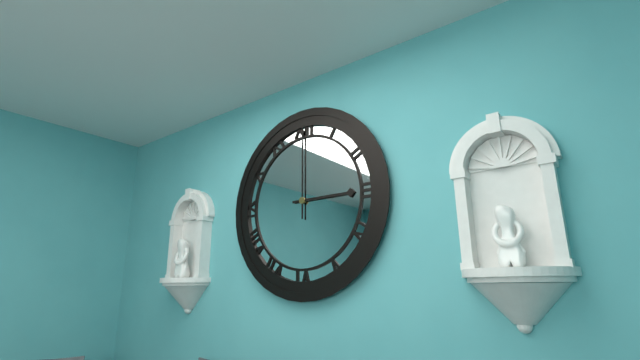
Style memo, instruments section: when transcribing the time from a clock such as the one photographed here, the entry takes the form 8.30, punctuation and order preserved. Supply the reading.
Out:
3.00
